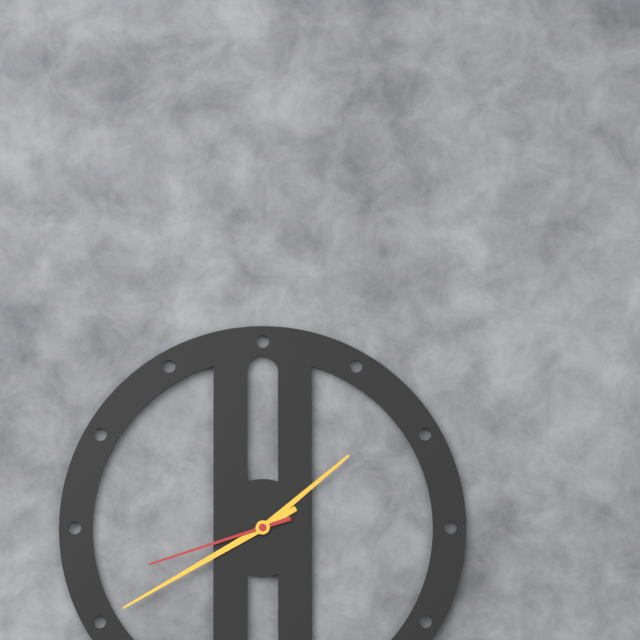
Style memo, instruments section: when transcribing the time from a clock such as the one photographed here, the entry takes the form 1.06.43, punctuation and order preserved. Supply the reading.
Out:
1.40.42
